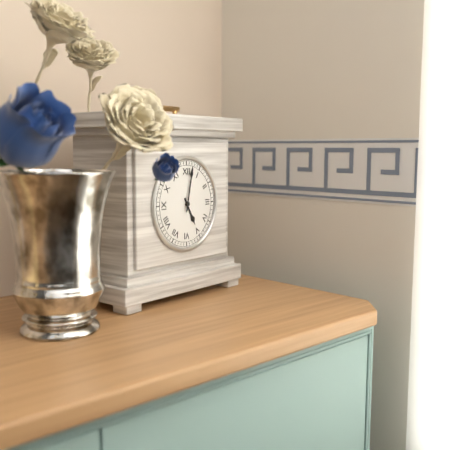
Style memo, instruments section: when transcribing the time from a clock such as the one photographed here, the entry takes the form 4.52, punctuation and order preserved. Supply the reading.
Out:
5.02
